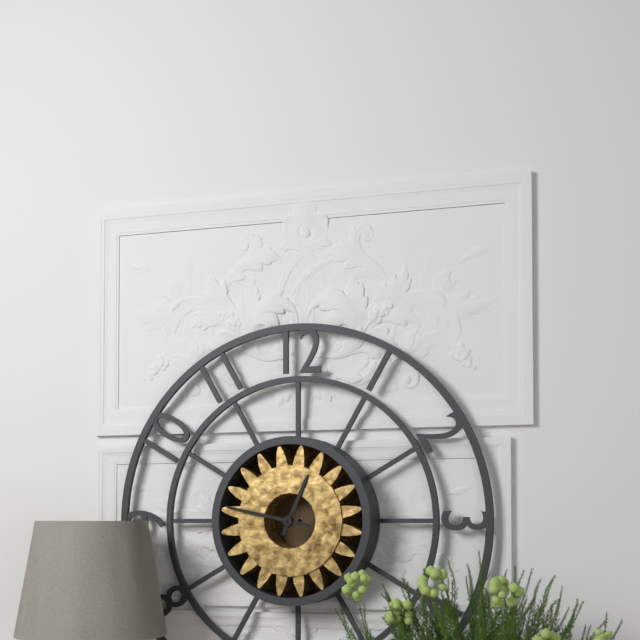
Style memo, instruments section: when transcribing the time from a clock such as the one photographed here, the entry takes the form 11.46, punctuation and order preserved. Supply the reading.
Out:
12.47
